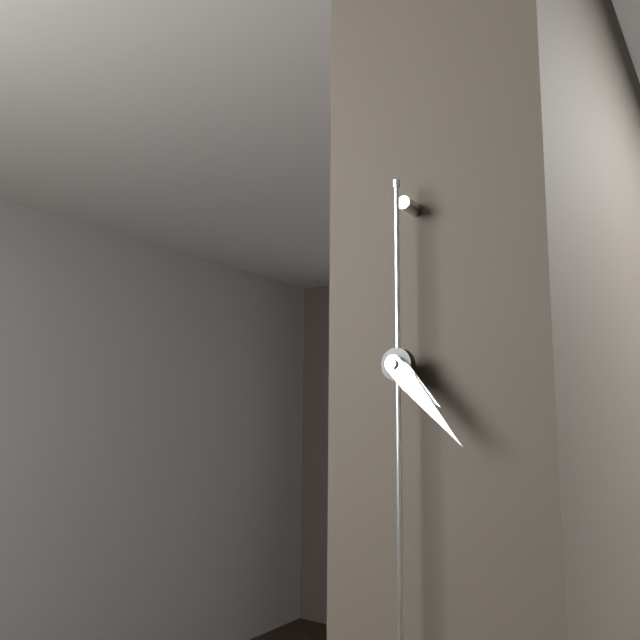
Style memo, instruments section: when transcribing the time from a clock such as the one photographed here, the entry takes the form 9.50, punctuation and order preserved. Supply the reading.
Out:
4.23
